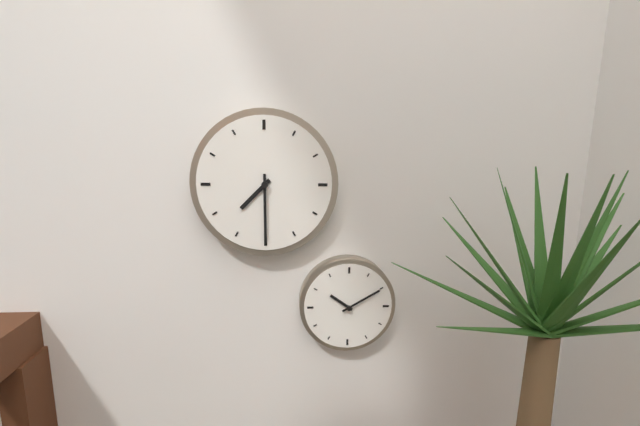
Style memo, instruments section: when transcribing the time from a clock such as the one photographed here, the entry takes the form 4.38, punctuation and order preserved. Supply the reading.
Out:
7.30
